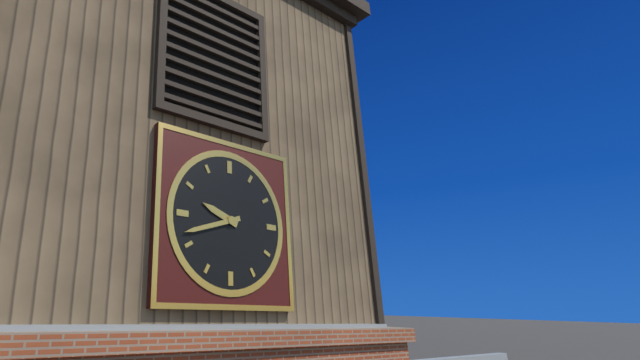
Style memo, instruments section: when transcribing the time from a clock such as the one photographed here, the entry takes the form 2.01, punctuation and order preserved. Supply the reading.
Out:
9.42
